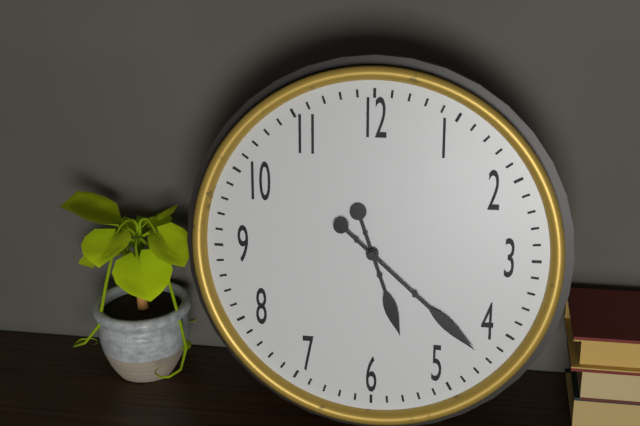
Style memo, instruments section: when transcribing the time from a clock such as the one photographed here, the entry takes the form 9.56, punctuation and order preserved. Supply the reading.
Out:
5.22
